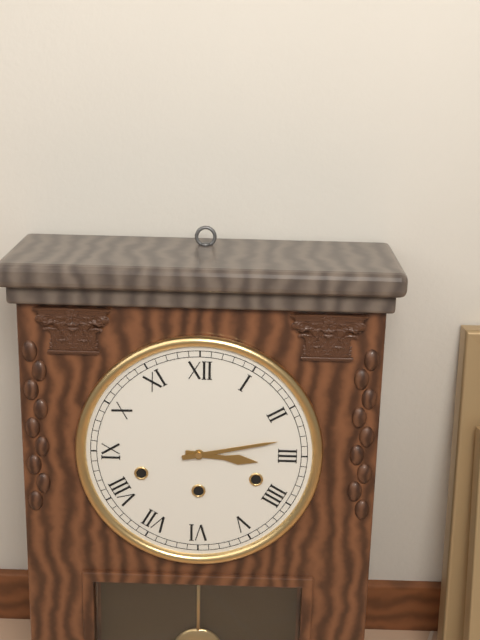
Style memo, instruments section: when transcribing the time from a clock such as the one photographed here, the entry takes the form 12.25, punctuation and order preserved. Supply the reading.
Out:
3.13
